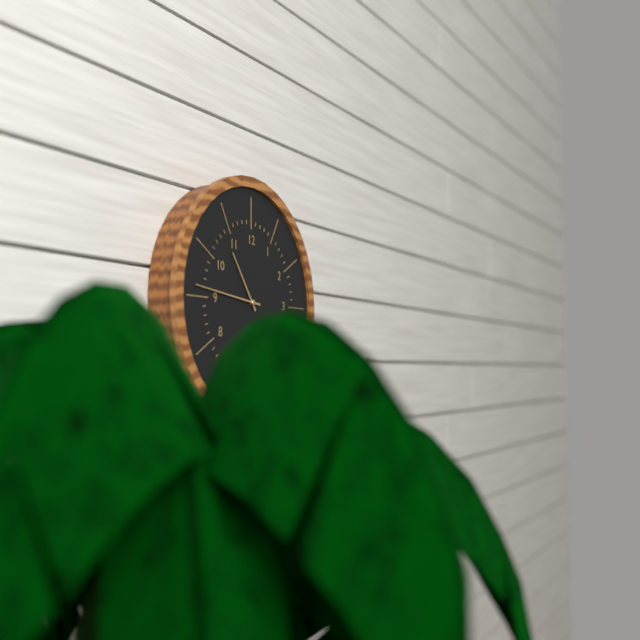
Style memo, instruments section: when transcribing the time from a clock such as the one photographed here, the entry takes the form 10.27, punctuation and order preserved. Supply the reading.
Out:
10.46
